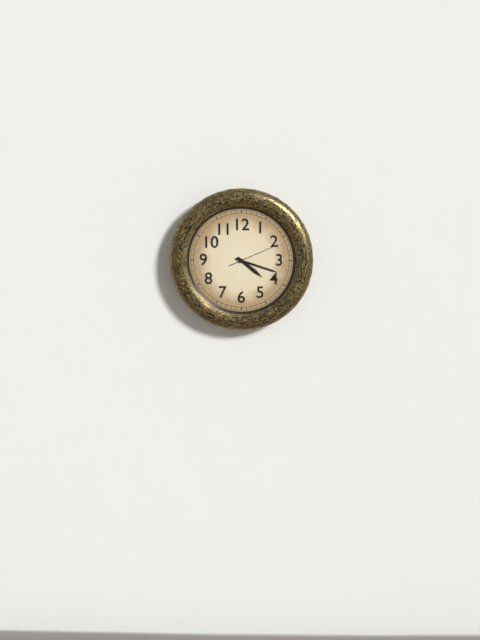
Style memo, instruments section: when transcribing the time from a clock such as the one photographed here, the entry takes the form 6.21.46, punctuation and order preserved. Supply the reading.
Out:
4.18.11
